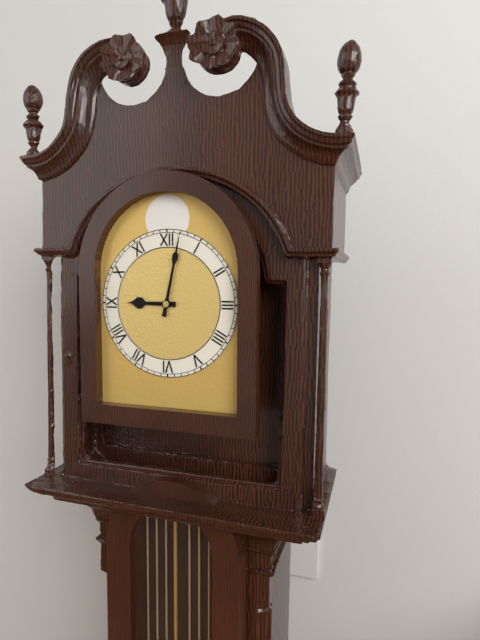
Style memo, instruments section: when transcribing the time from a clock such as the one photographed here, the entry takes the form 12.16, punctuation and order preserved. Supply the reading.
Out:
9.02
